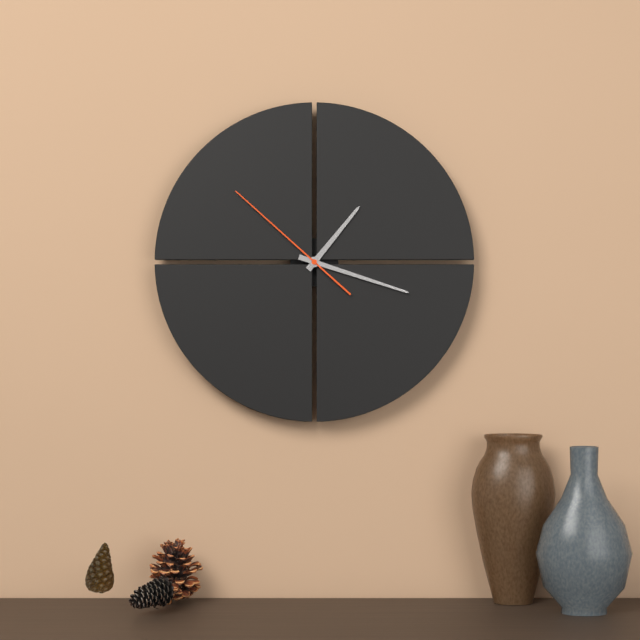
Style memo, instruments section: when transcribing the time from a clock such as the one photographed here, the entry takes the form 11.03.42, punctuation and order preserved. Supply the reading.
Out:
1.18.52
